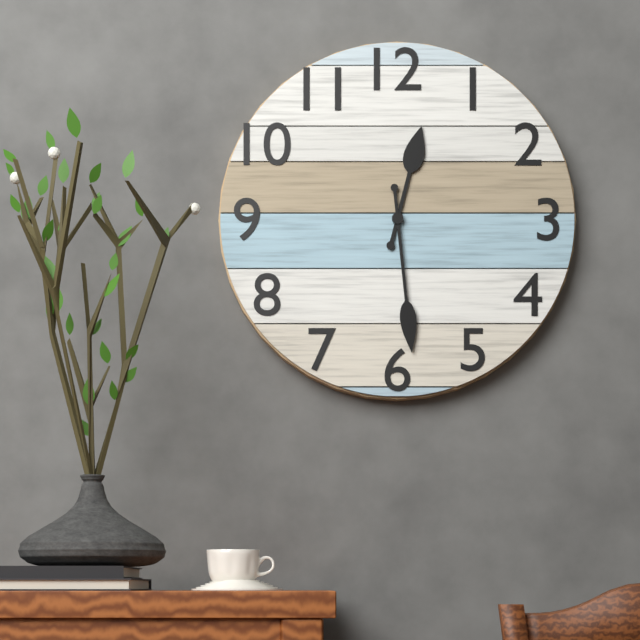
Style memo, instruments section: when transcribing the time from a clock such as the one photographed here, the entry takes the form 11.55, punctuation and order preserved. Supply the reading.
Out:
12.29
